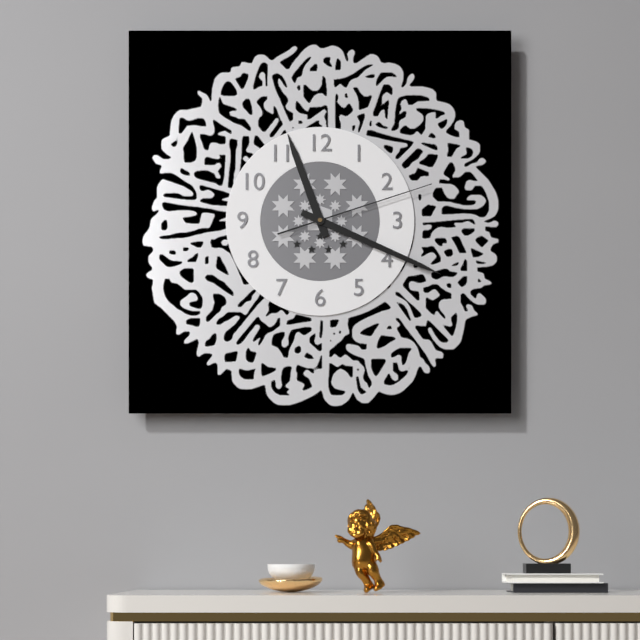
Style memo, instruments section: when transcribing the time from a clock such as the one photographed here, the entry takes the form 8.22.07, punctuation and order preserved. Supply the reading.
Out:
11.19.12
